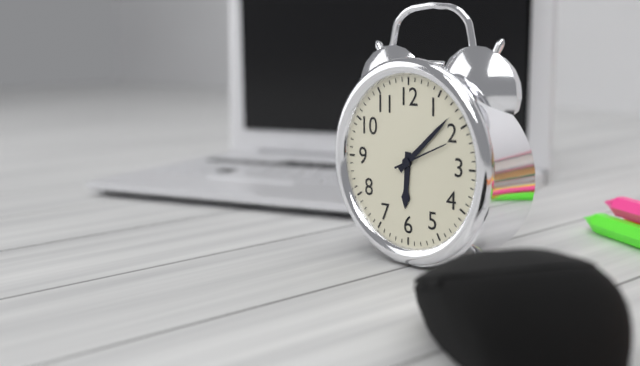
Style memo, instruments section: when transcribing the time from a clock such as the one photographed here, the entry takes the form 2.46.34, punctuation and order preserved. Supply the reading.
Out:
6.08.11
